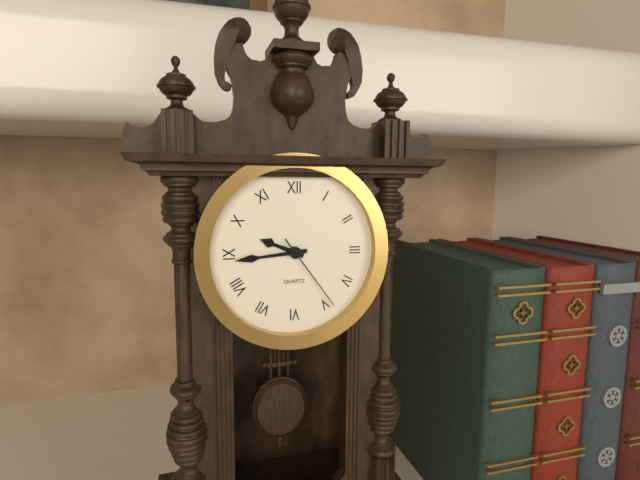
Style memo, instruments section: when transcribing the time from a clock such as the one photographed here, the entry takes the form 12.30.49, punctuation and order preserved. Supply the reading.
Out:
9.44.24
